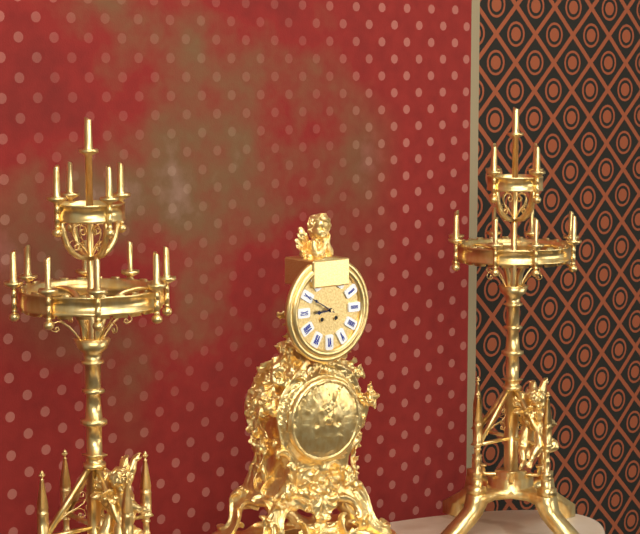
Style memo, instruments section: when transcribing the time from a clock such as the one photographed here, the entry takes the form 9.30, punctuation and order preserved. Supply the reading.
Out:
8.50
